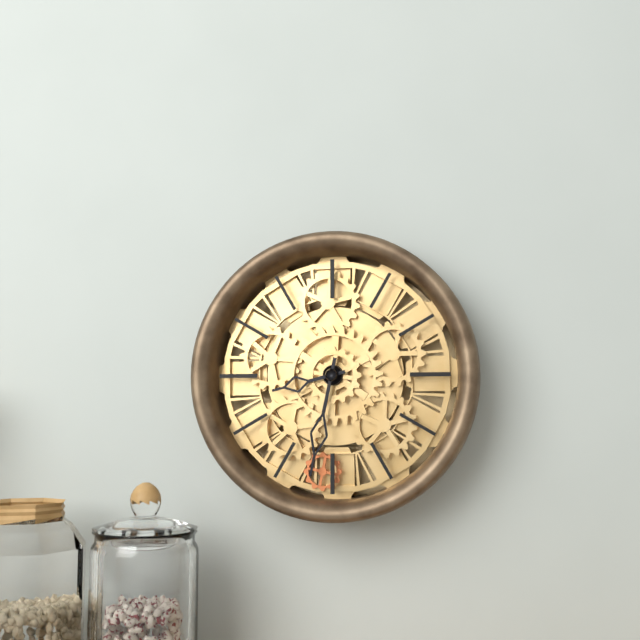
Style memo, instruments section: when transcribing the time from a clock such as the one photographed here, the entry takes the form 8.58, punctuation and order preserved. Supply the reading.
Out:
8.32
